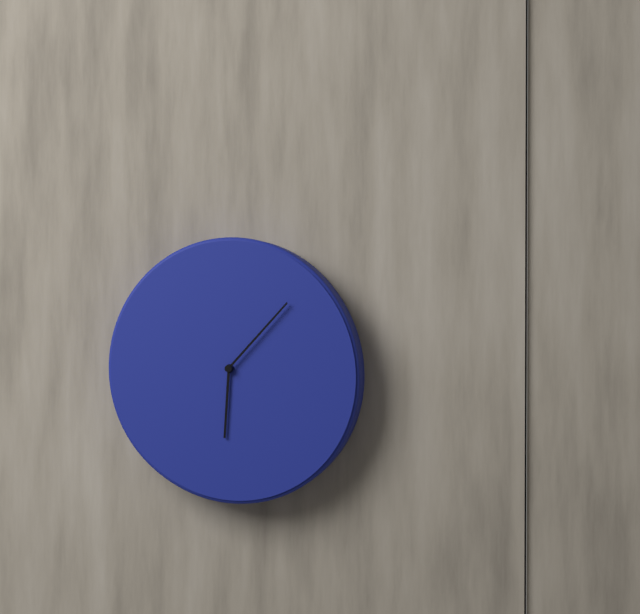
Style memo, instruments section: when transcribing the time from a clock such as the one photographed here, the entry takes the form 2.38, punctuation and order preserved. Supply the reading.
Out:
6.07
